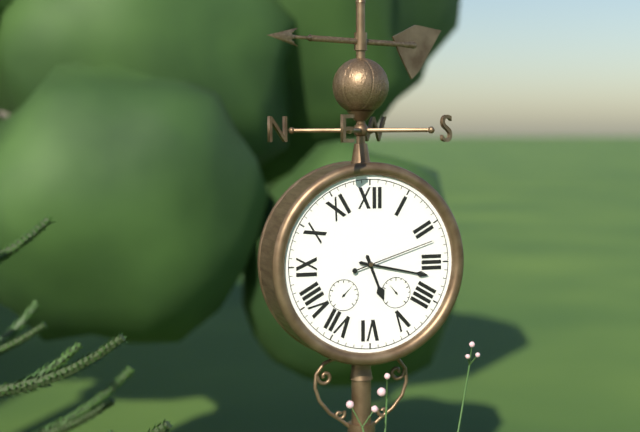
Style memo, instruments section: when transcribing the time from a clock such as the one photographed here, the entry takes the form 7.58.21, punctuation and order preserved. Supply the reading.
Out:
5.17.12
